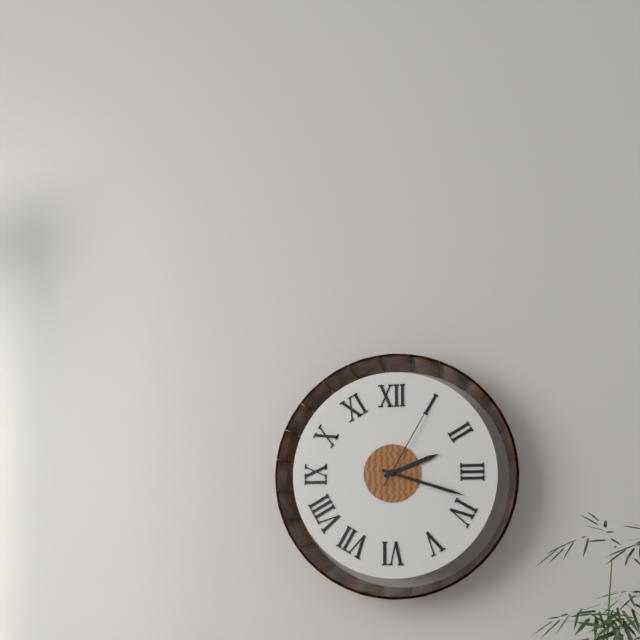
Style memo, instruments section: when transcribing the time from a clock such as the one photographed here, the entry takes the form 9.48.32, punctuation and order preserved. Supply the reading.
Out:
2.18.05
